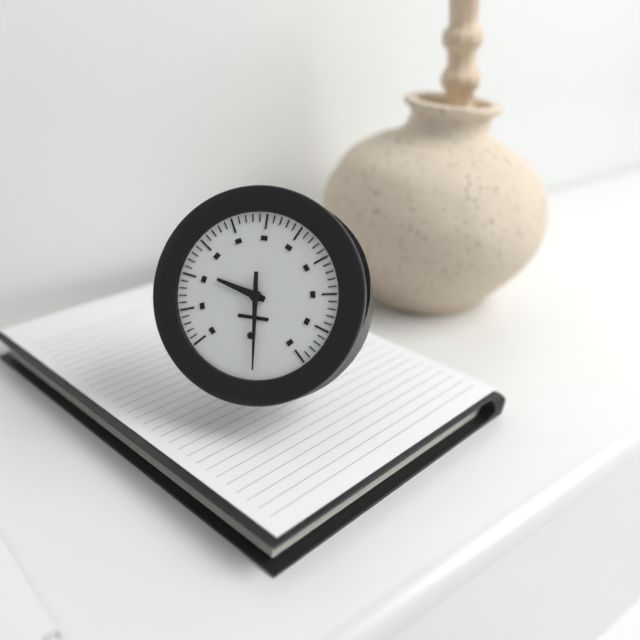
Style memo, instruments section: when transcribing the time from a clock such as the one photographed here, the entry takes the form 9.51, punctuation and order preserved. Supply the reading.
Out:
9.29
